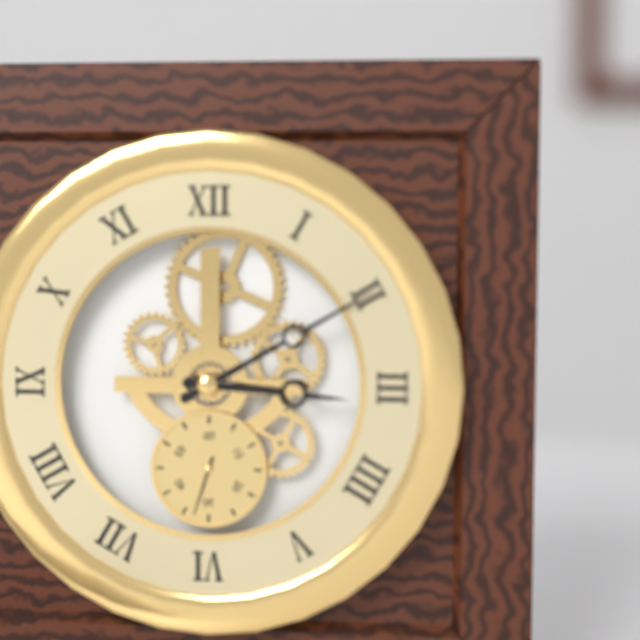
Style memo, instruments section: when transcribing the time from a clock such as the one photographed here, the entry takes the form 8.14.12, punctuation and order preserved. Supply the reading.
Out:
3.10.33
